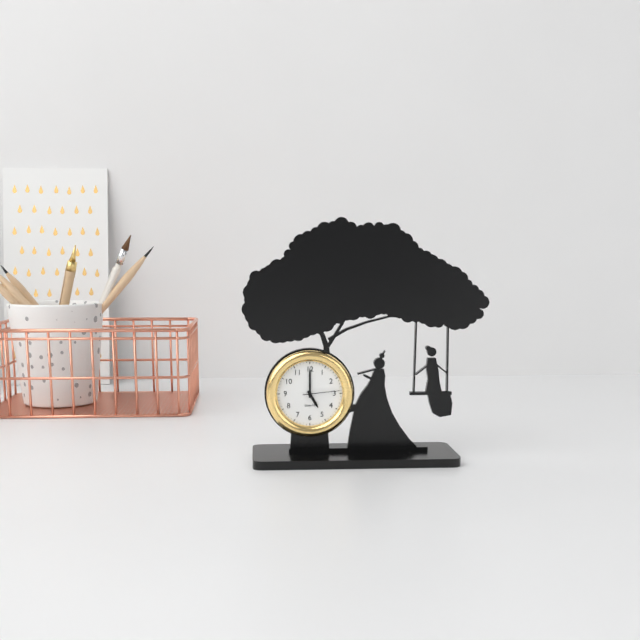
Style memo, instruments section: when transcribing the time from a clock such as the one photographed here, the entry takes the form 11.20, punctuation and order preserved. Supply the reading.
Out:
5.00
